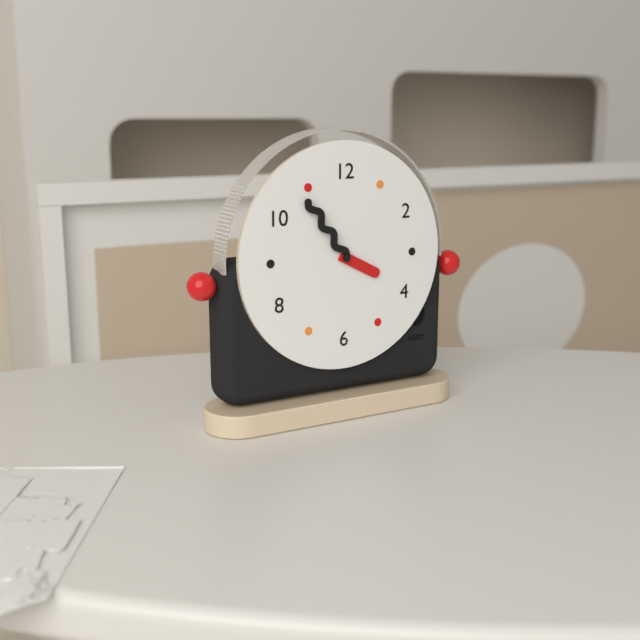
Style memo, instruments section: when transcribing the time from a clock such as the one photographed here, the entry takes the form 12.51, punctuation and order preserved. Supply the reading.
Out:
3.54
